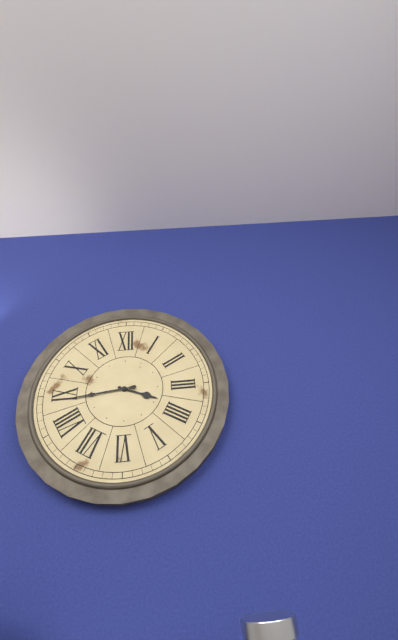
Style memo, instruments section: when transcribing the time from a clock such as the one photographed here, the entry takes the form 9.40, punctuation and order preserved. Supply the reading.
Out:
3.44
